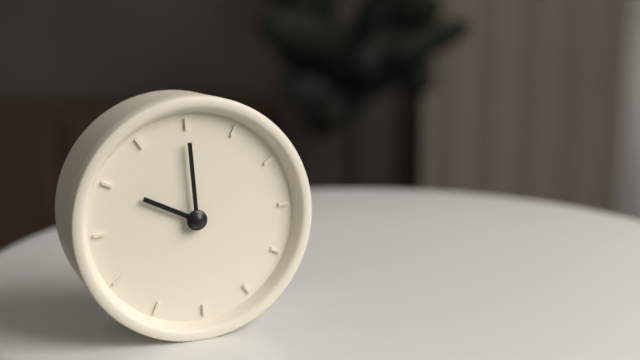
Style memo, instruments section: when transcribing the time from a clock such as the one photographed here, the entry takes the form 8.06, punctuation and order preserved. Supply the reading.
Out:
10.00
